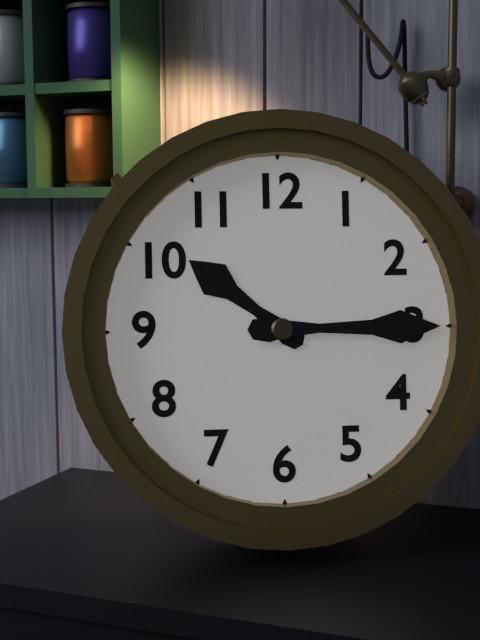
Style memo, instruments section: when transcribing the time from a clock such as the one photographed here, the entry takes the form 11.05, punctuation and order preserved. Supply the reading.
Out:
10.15
